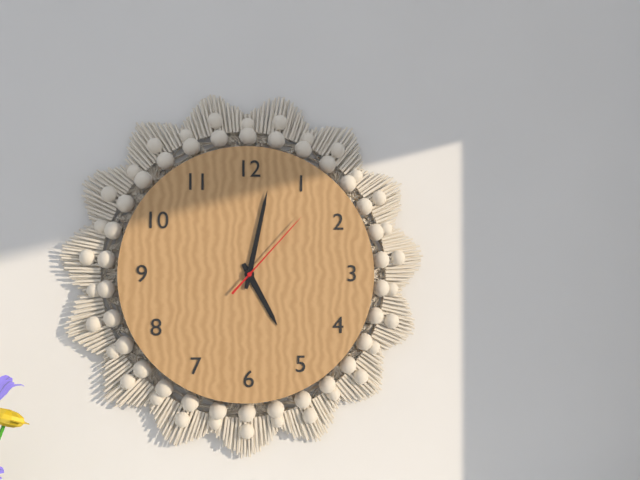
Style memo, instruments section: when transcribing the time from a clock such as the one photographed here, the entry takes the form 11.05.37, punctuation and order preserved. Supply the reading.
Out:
5.02.07
